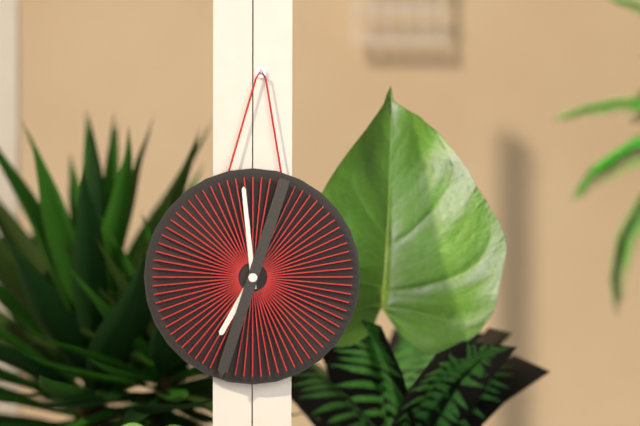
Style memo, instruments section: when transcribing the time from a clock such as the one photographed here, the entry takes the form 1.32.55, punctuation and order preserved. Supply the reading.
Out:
6.59.33
